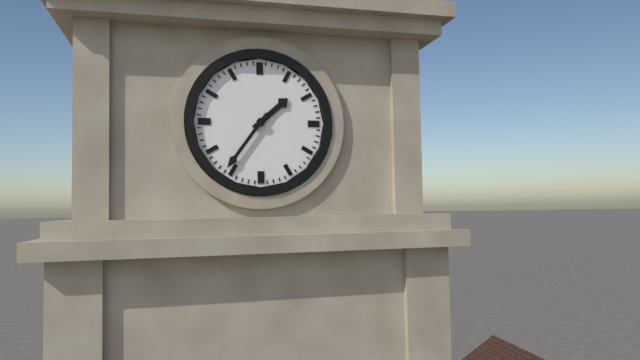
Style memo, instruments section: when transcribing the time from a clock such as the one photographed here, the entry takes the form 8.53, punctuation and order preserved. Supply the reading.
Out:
1.36
